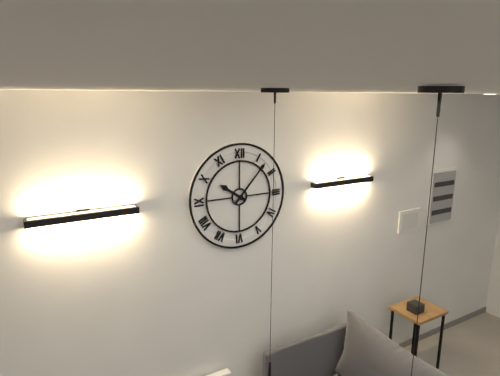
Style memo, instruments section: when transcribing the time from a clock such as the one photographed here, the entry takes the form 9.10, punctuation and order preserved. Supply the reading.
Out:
10.07
